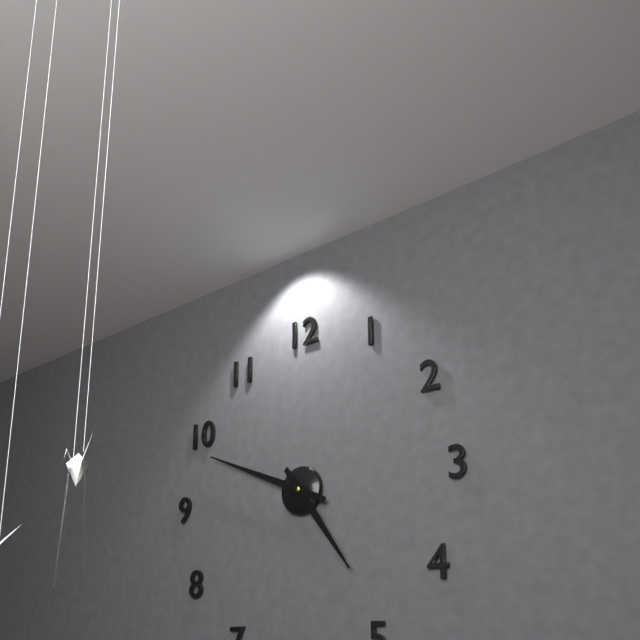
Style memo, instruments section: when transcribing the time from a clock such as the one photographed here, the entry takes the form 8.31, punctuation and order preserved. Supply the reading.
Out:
4.49
